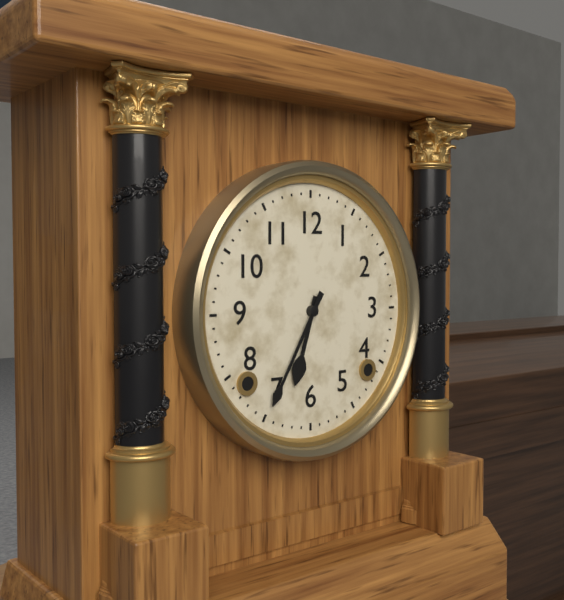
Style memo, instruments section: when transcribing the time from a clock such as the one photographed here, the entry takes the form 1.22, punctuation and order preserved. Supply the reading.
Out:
6.35
